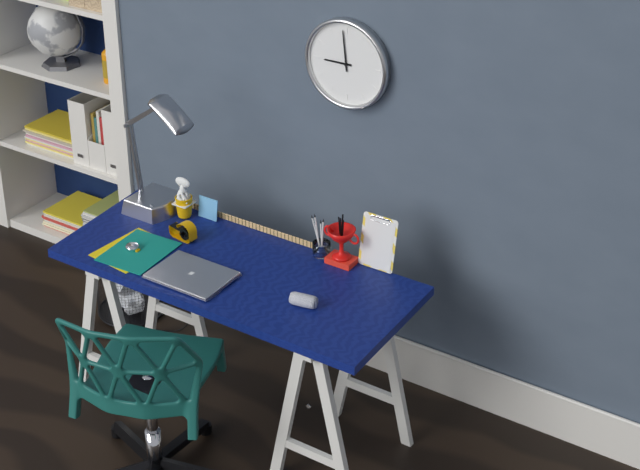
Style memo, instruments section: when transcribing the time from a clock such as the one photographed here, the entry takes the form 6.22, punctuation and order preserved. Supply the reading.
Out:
8.59
